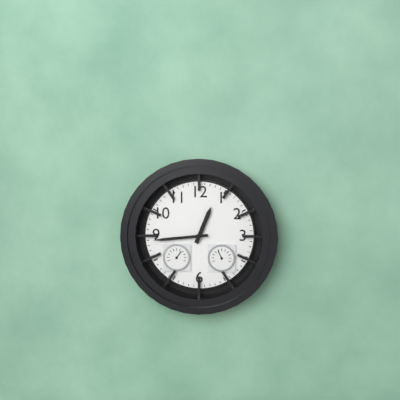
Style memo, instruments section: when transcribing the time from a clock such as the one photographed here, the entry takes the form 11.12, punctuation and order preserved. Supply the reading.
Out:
12.44
